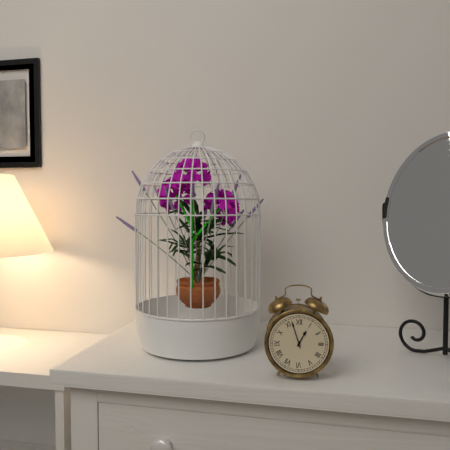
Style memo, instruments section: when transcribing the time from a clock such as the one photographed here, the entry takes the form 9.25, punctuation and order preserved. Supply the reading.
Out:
12.57
